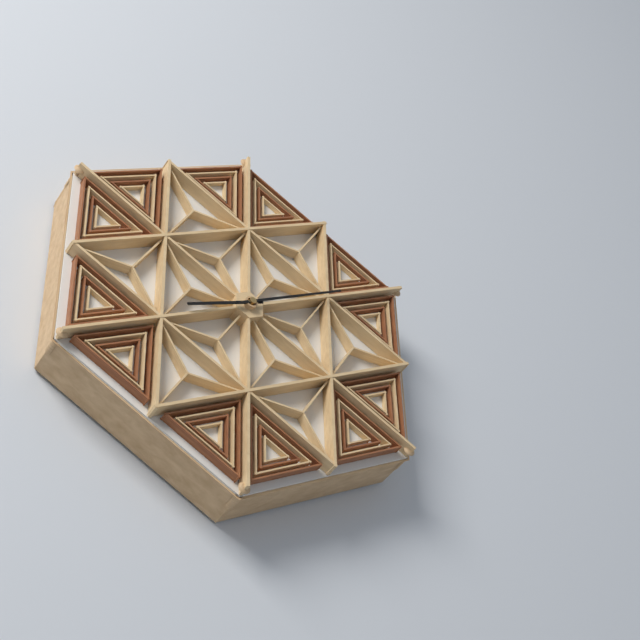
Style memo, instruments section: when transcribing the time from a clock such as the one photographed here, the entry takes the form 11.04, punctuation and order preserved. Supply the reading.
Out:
8.10
